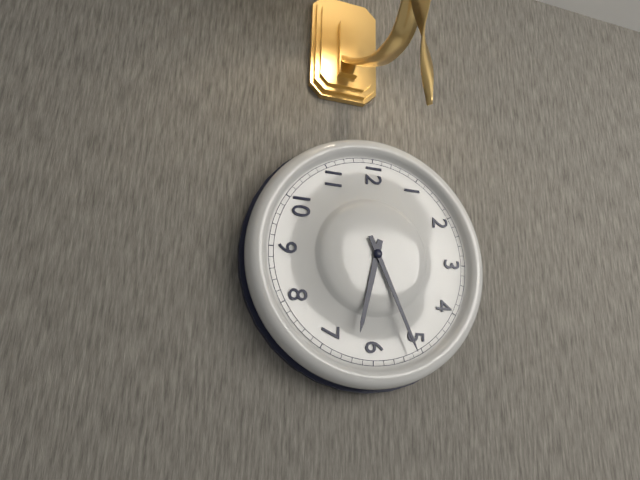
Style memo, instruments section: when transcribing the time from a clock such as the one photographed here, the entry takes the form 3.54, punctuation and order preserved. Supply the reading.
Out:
6.26
